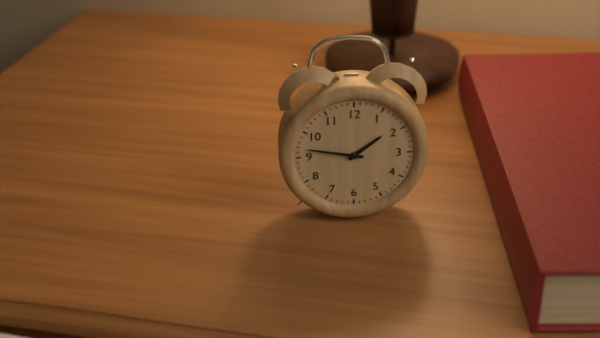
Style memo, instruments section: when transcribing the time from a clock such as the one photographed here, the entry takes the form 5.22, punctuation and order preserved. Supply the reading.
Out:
1.47
